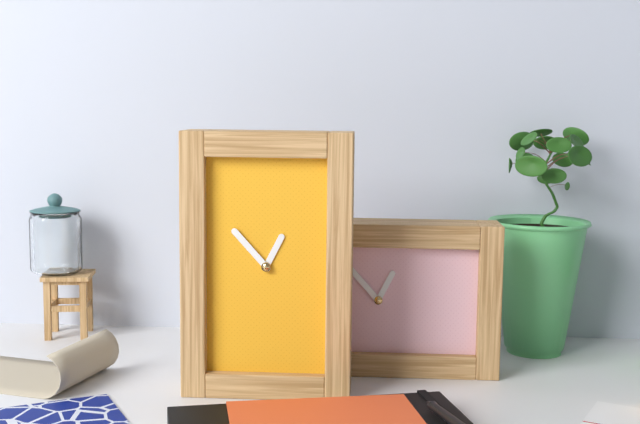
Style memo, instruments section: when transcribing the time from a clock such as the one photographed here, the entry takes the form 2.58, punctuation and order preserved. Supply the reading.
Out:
12.53
